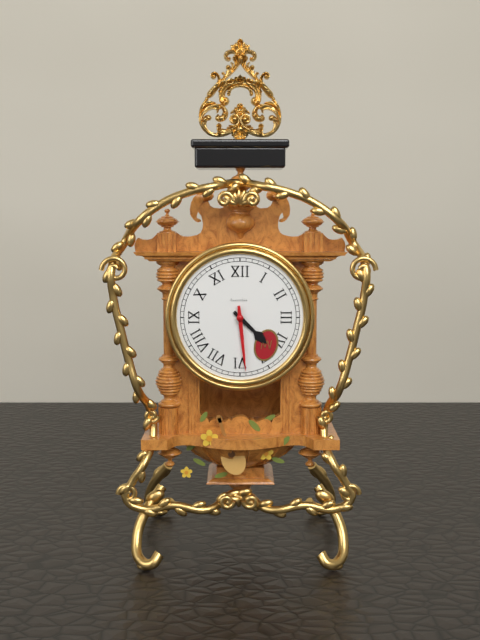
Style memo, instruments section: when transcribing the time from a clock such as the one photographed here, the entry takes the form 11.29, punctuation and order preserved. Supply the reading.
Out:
4.29
